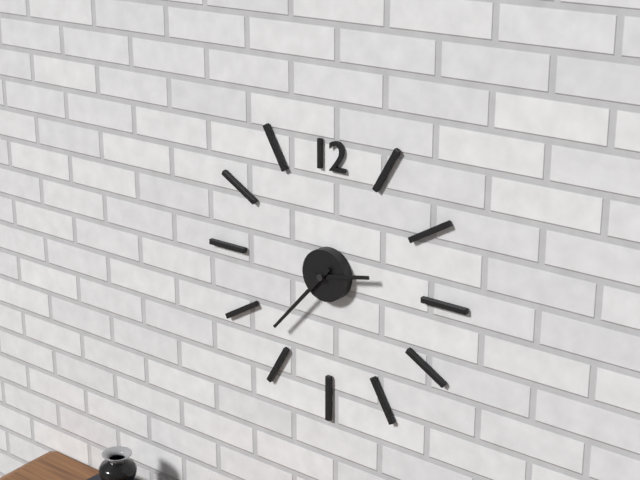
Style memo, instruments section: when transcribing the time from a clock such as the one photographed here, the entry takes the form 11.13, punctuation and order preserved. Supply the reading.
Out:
2.37
